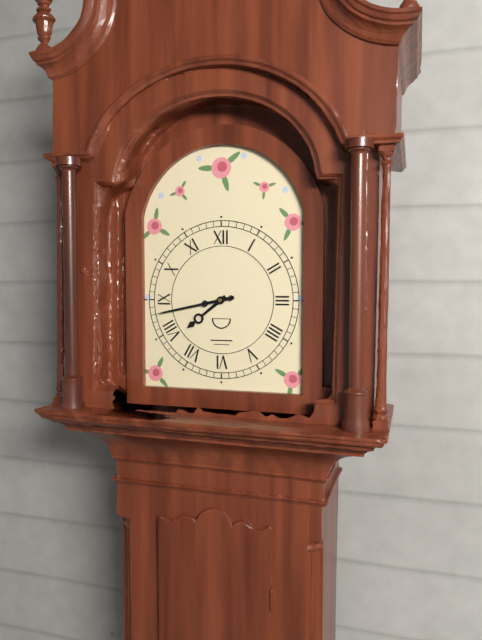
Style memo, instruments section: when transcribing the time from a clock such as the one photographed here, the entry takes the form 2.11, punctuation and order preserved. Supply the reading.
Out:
7.43
